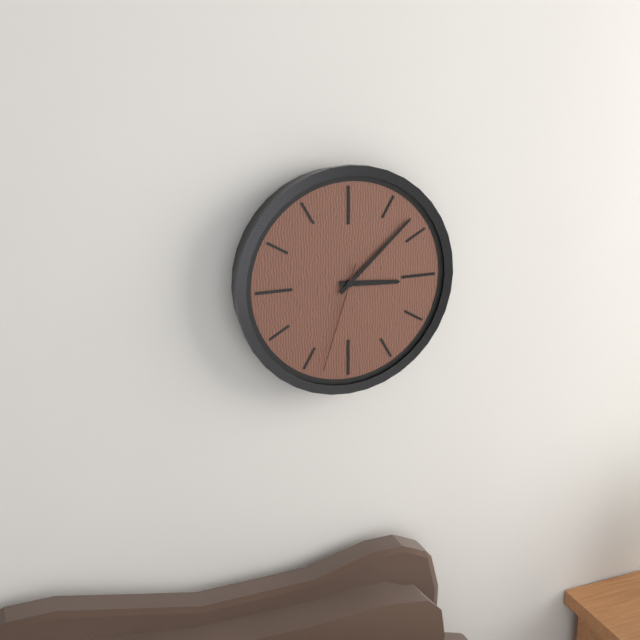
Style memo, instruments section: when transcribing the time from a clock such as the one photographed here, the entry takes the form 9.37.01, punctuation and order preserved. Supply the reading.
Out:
3.08.33
